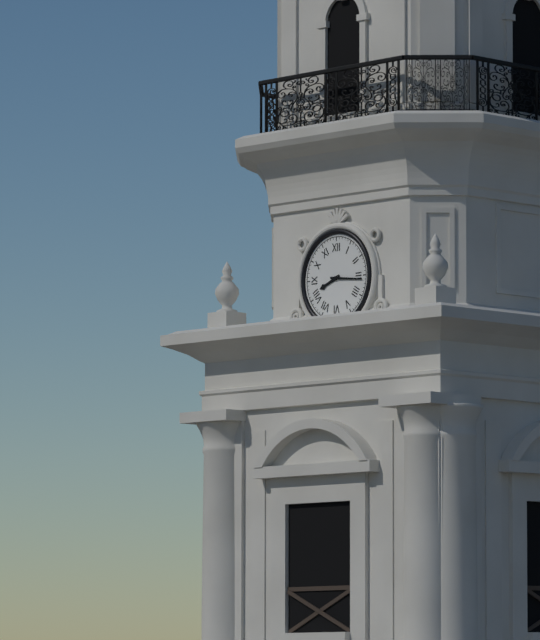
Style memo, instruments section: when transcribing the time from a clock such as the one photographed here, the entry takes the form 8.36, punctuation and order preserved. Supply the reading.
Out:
8.16
